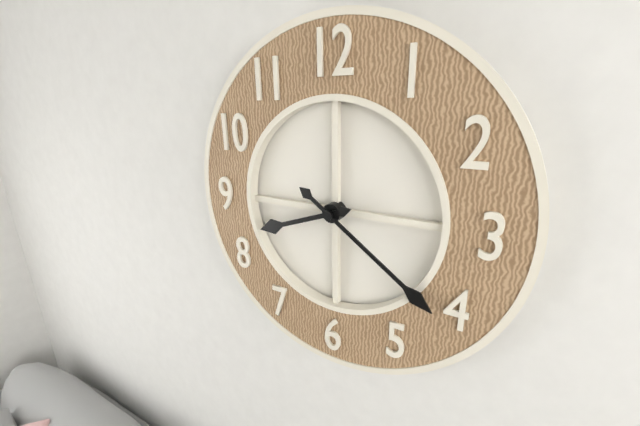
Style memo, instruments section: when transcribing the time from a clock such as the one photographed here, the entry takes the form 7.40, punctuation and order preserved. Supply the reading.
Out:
8.21
